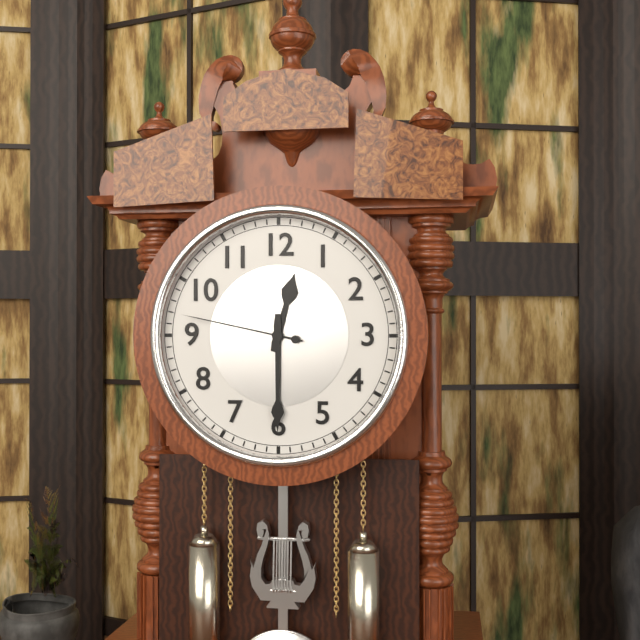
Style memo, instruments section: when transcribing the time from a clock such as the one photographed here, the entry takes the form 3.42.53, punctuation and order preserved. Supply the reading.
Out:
12.30.47
